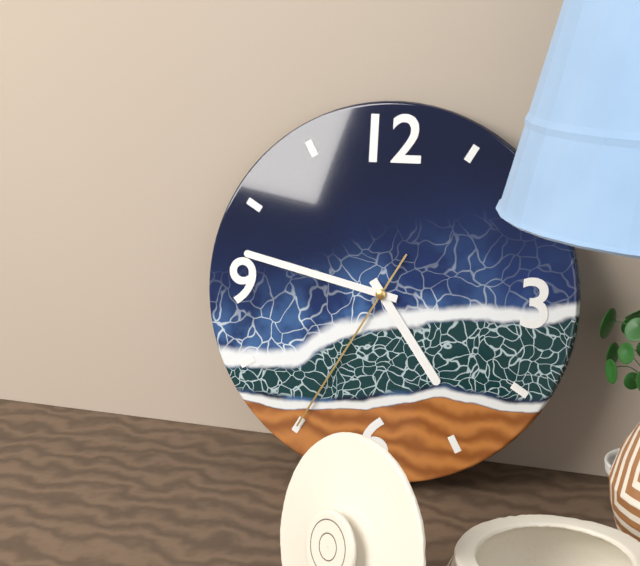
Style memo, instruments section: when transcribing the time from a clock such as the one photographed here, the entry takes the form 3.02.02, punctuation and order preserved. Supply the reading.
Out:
4.47.35
